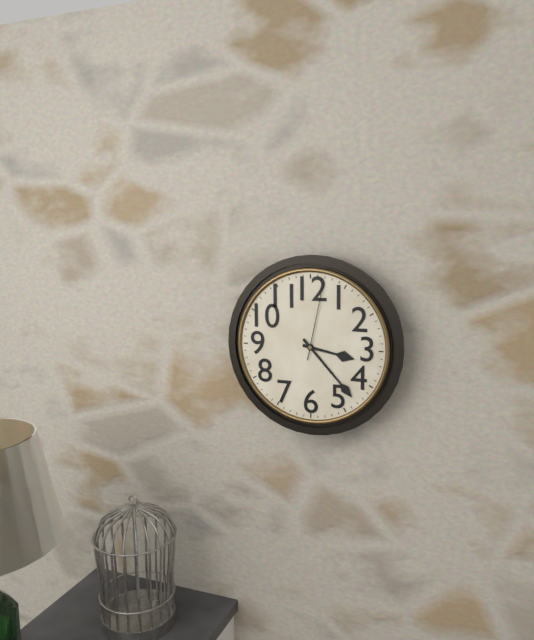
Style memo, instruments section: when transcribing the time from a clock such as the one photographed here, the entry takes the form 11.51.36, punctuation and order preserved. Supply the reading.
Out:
3.23.02
